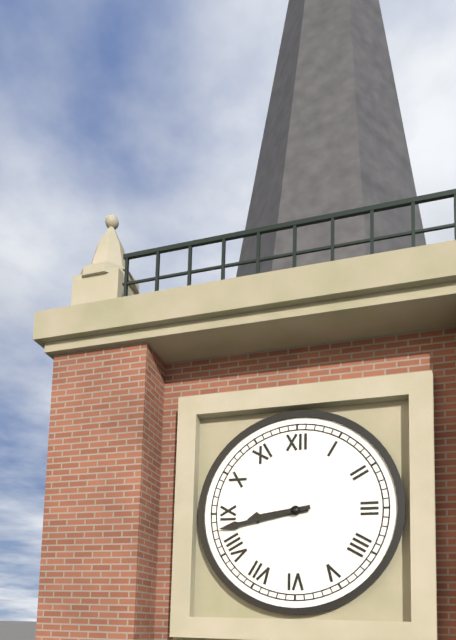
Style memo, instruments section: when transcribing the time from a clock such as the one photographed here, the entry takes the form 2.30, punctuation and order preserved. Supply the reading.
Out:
8.43
